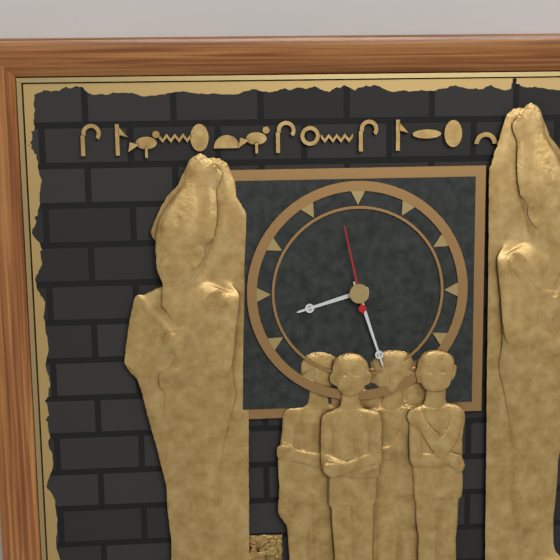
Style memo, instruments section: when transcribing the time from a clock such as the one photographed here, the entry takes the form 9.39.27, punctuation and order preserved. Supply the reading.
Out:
8.27.58
